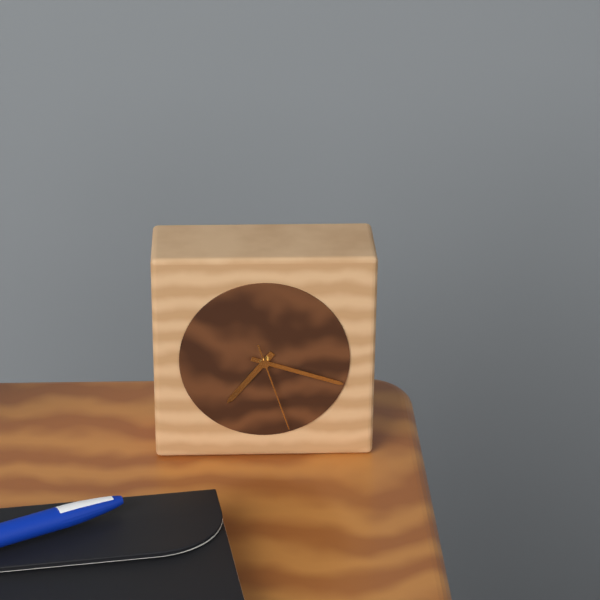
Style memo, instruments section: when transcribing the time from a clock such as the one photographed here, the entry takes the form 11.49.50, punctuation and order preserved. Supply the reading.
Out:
7.18.27
